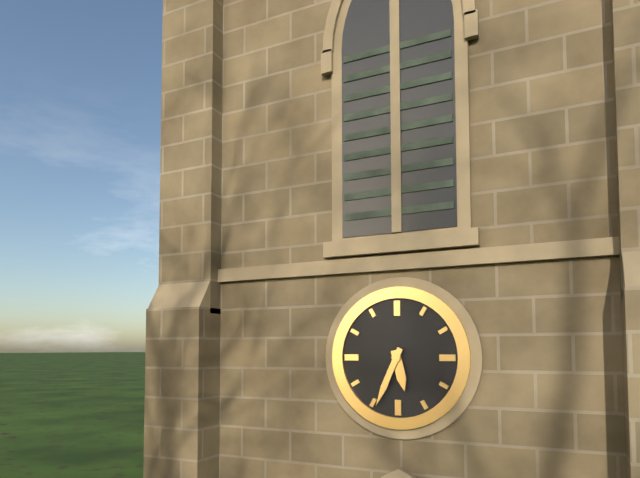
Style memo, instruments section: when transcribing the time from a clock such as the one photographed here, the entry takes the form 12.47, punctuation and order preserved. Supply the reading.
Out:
5.34
